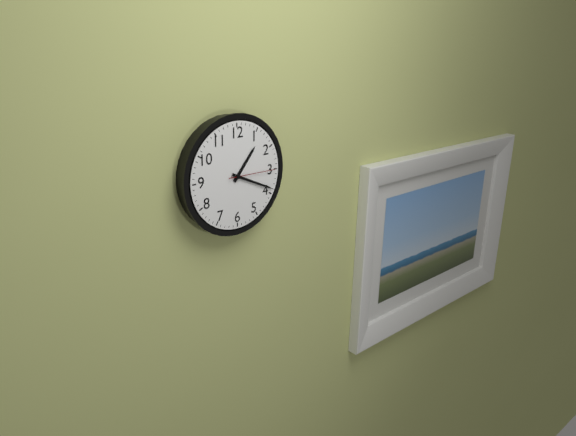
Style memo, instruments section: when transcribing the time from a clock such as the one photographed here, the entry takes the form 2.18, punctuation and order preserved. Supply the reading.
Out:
1.19
